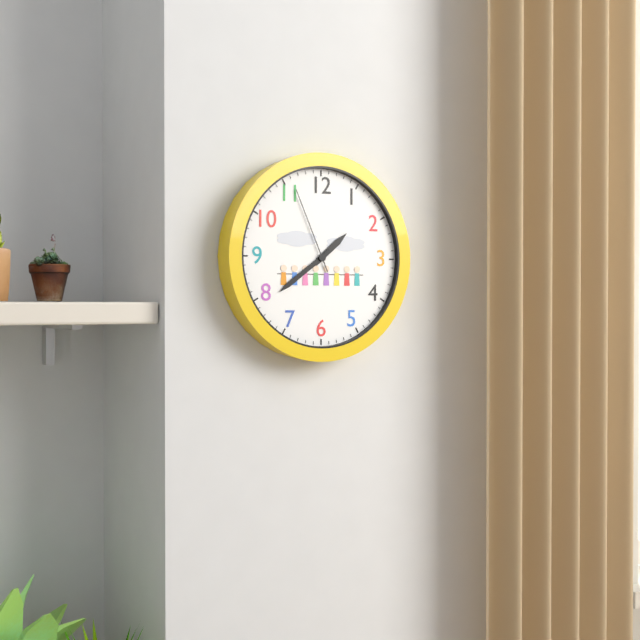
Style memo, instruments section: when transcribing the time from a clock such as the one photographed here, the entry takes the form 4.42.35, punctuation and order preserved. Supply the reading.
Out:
1.39.56
